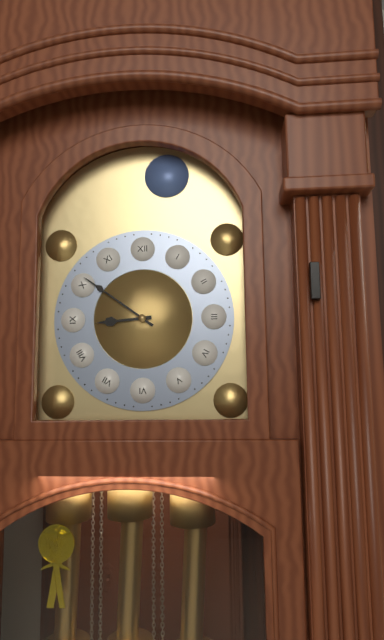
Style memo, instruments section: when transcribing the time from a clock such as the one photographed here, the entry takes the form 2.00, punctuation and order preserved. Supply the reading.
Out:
8.51
